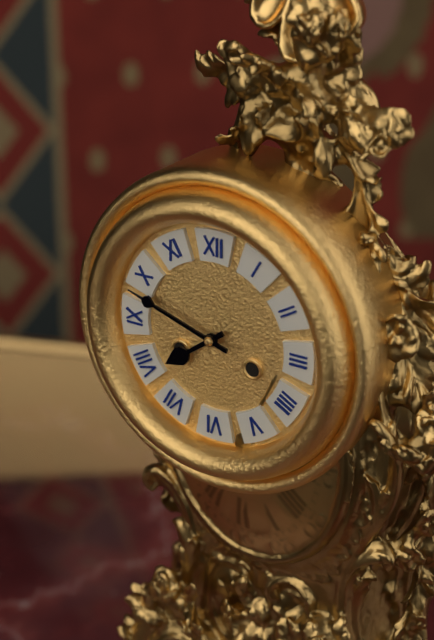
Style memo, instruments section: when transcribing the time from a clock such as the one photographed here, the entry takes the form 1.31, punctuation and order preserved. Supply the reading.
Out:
7.48
